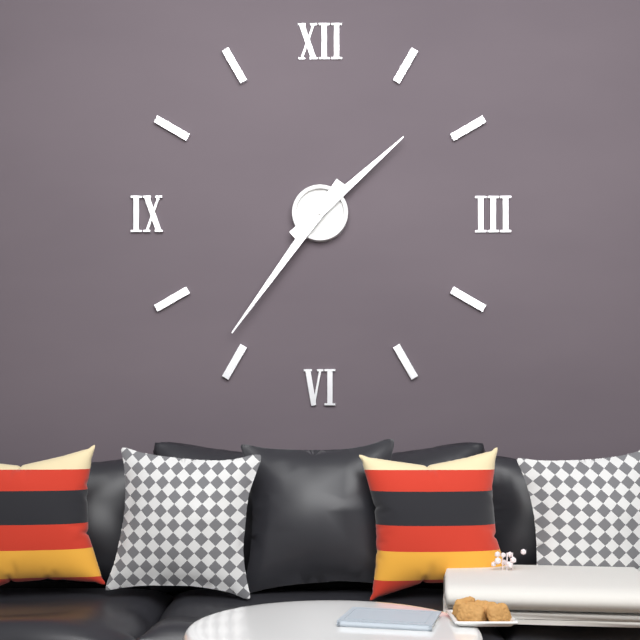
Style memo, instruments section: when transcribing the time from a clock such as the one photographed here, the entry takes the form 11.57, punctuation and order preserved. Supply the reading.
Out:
1.36
